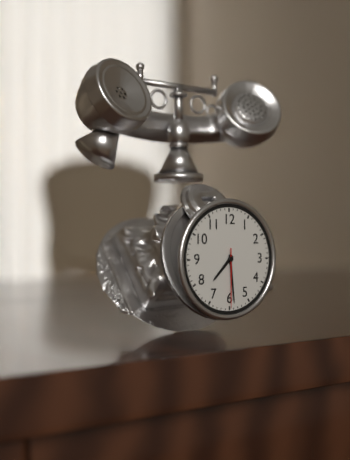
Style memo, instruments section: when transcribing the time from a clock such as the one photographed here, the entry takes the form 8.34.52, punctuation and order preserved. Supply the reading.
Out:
7.29.30
